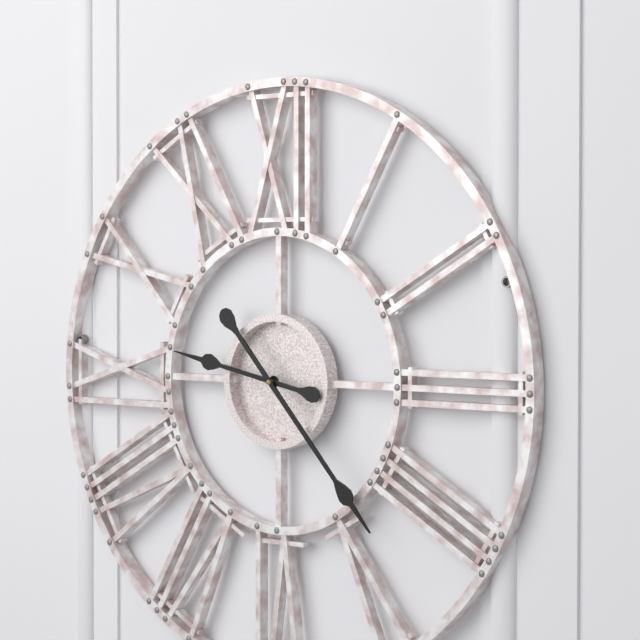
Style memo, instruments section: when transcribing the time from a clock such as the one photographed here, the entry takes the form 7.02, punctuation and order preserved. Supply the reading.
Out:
9.23
